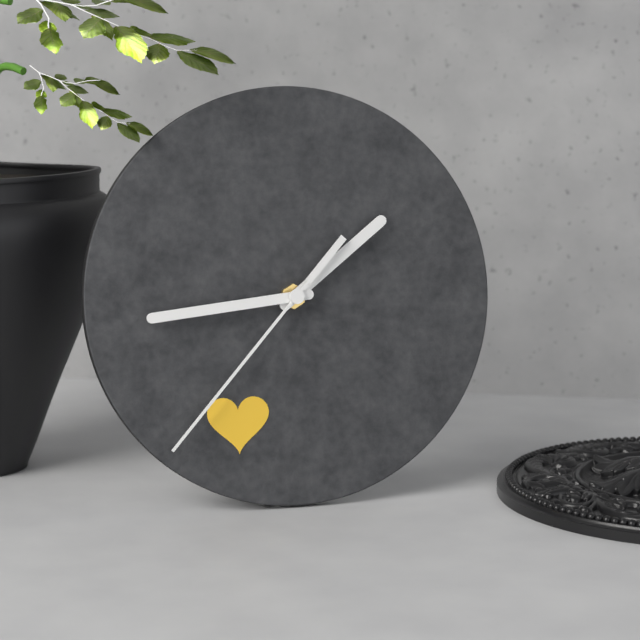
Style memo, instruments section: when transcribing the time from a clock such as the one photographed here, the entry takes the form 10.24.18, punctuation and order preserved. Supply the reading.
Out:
1.44.37
